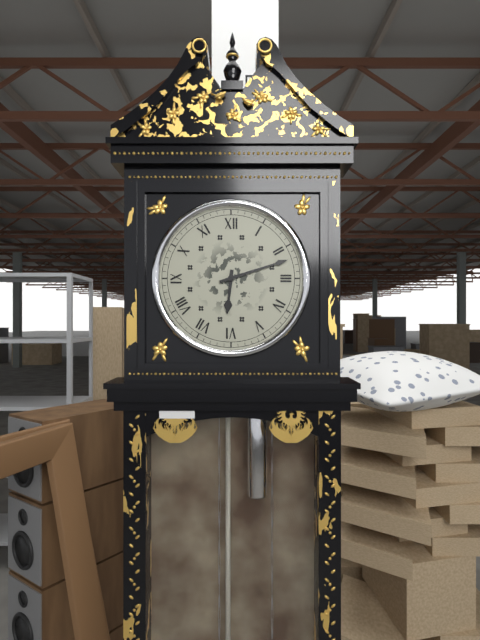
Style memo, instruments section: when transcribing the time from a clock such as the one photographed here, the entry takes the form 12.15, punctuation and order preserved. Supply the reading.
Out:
6.12
